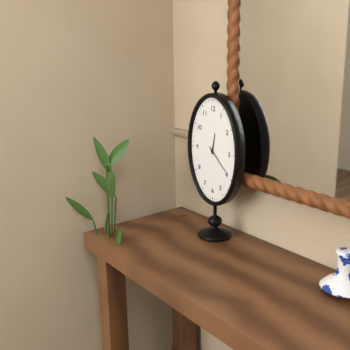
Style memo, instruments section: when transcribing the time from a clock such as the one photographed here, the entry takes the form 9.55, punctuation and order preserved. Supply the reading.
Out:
12.22
